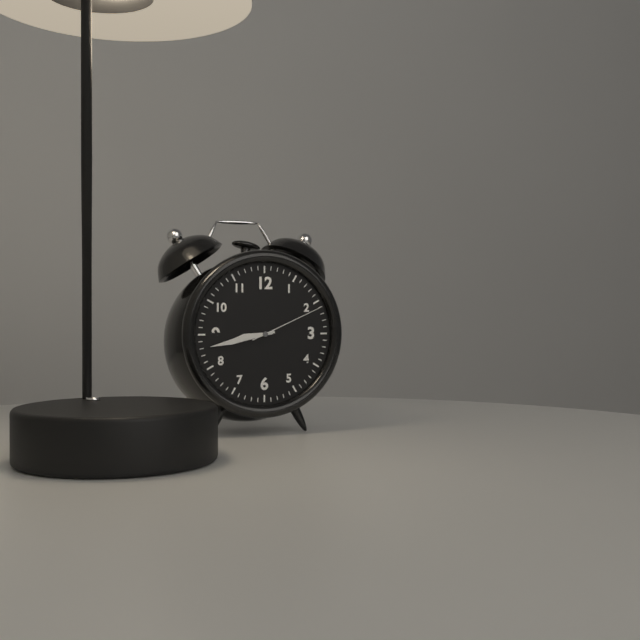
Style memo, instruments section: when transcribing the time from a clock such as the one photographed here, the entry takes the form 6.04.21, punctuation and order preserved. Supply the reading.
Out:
8.43.11
